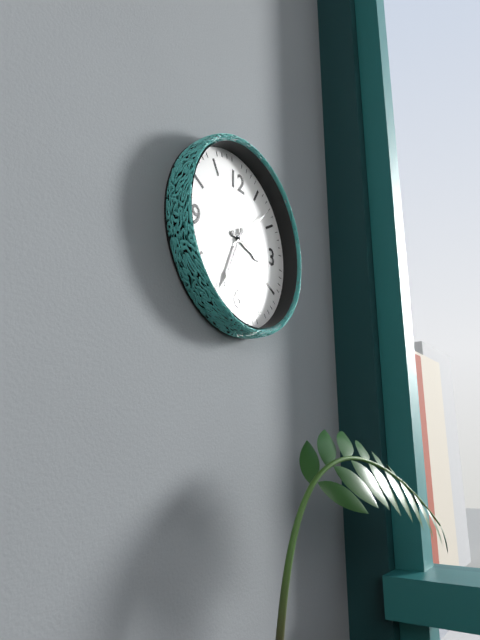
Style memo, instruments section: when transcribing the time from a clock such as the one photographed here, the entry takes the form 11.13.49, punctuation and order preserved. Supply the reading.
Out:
3.34.08
